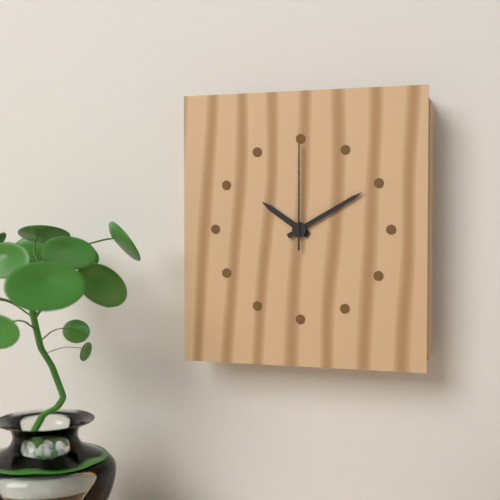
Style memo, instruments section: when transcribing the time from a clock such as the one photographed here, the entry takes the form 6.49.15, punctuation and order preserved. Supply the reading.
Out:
10.10.00
